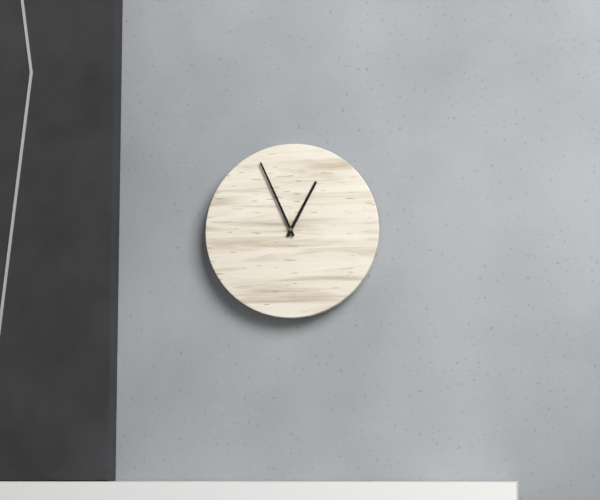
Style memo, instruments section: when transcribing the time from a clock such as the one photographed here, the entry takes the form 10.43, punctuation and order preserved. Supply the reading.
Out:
12.56
